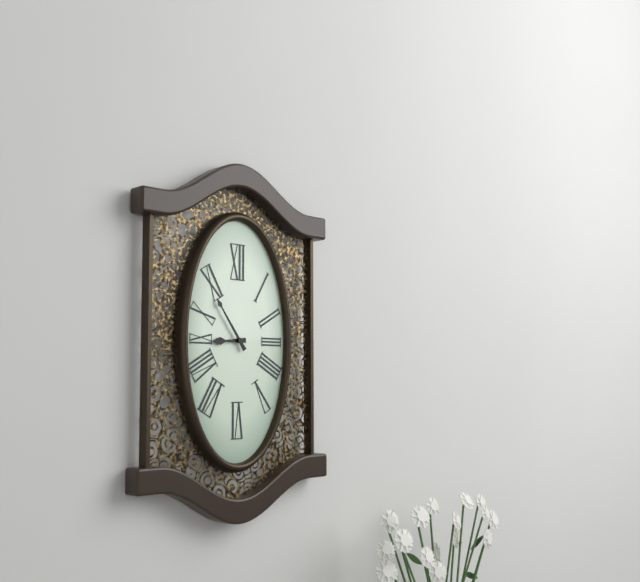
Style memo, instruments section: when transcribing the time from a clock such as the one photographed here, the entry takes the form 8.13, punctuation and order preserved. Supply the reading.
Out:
8.54
